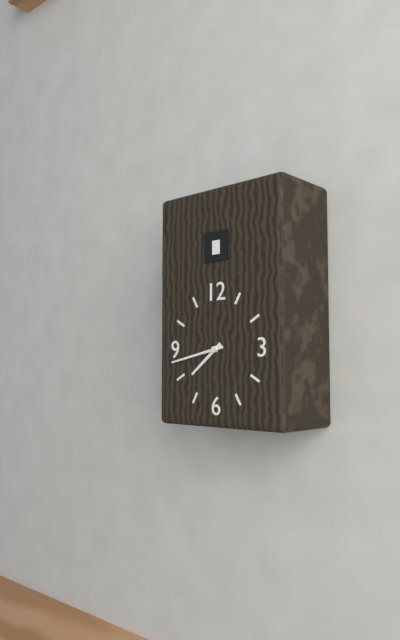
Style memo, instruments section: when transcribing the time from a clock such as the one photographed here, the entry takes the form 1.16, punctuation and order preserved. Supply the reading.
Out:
7.43
